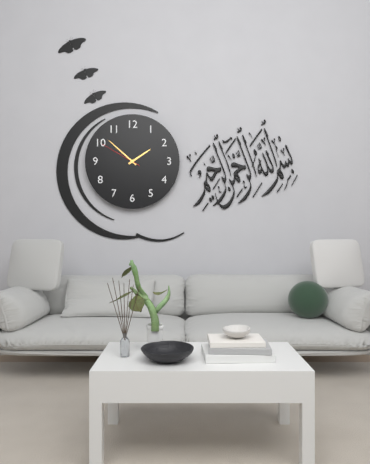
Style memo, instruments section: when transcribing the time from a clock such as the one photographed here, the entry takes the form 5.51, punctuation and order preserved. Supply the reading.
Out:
1.52
